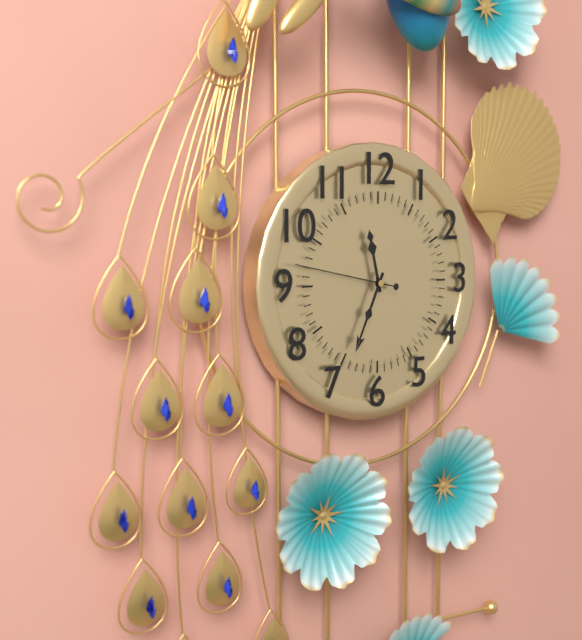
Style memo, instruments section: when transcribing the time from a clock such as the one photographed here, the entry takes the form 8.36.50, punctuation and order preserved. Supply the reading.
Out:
11.34.47
